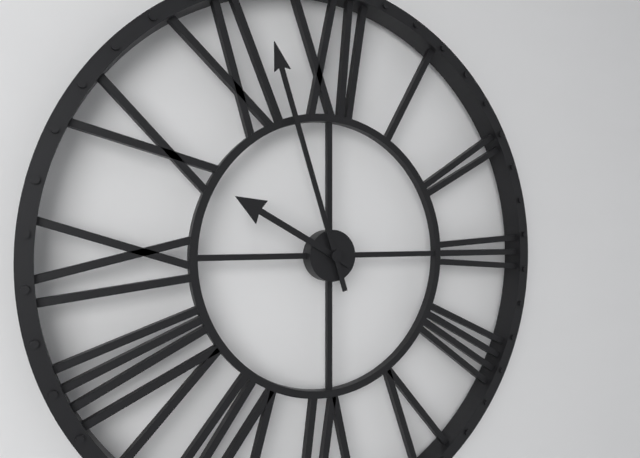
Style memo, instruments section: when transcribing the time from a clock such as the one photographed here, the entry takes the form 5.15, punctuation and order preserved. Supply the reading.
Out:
9.57
